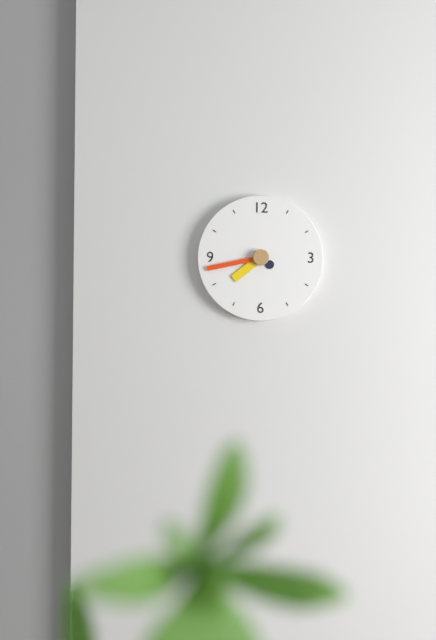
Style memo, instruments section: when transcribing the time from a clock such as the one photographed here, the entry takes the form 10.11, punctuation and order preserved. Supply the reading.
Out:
7.43
